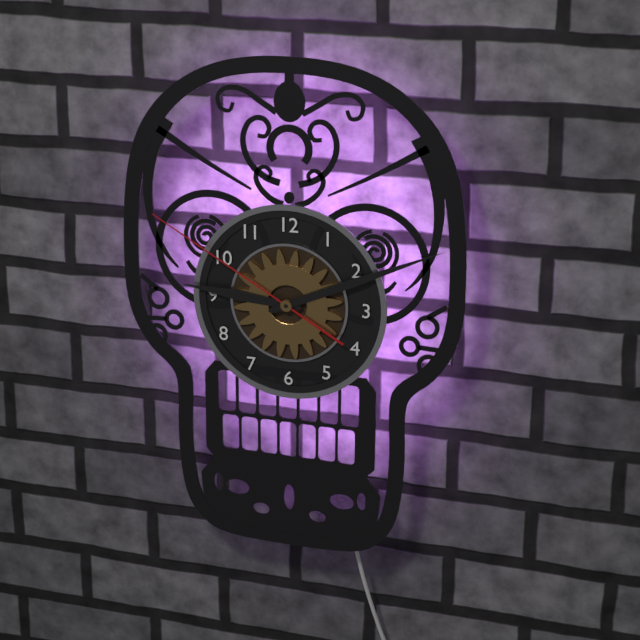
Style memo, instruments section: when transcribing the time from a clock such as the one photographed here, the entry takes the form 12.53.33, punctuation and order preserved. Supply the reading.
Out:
9.11.50
